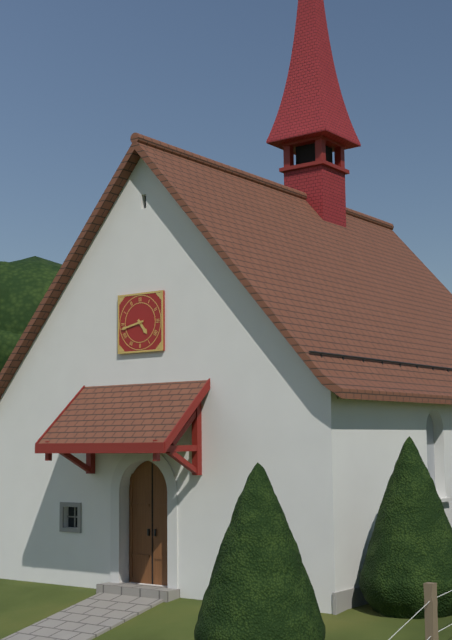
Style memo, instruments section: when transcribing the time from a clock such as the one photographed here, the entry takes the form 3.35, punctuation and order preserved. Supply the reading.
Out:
4.43
